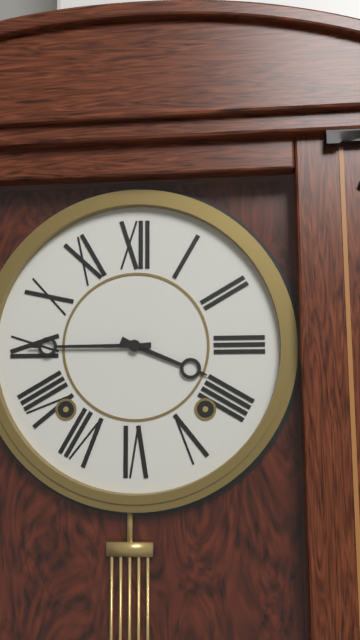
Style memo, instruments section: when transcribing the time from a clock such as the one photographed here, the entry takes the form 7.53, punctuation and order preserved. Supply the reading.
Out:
3.45
